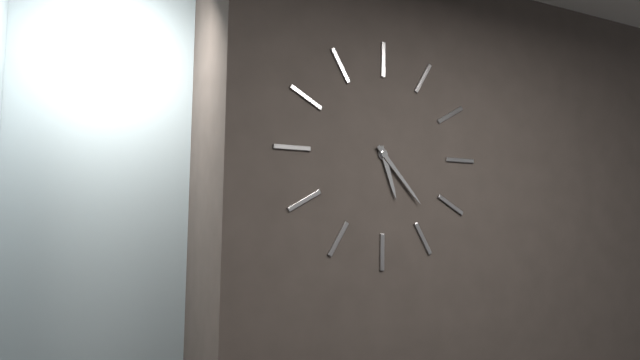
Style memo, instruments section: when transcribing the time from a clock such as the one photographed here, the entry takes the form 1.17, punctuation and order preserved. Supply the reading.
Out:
5.23
